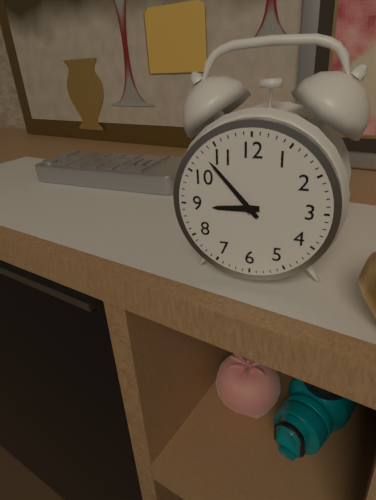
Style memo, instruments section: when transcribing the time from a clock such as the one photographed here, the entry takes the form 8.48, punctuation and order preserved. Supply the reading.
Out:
8.53
